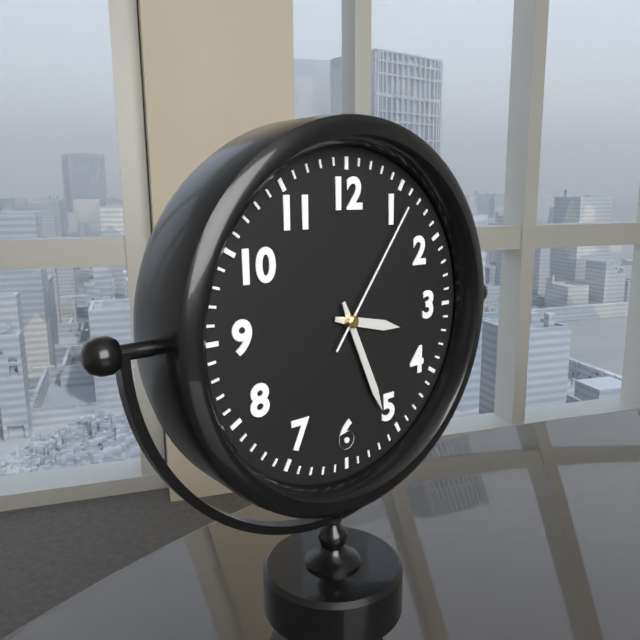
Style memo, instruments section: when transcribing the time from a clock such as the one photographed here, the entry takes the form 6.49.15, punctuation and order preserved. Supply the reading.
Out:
3.26.06
